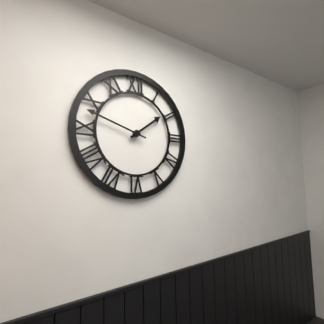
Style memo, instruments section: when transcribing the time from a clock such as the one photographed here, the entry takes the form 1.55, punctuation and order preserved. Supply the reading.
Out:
1.48
